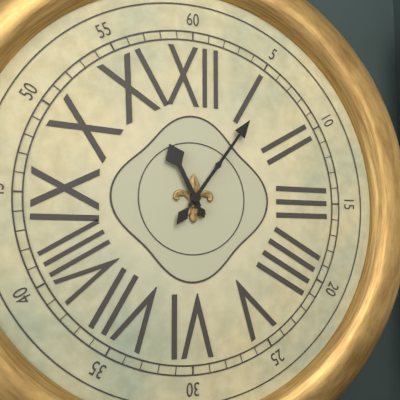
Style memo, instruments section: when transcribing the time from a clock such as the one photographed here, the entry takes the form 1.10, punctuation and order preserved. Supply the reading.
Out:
11.06
